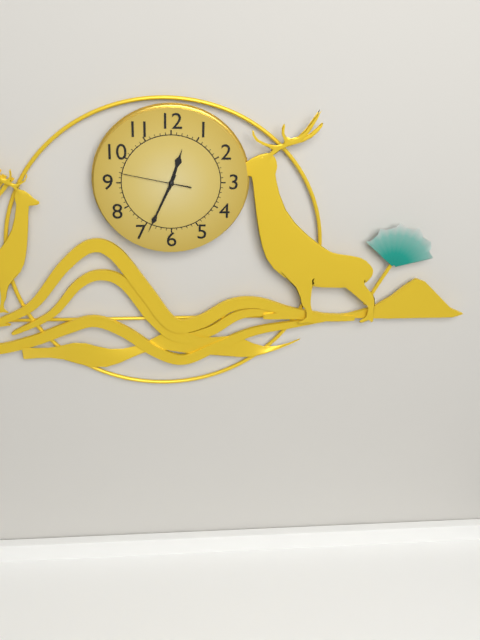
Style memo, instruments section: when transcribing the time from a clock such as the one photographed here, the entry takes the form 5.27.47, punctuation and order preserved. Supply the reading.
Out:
12.34.47
